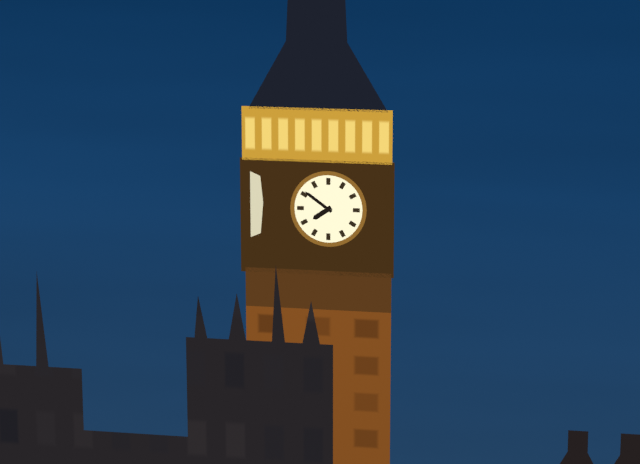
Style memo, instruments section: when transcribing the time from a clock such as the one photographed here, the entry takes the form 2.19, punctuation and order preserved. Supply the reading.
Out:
7.51
